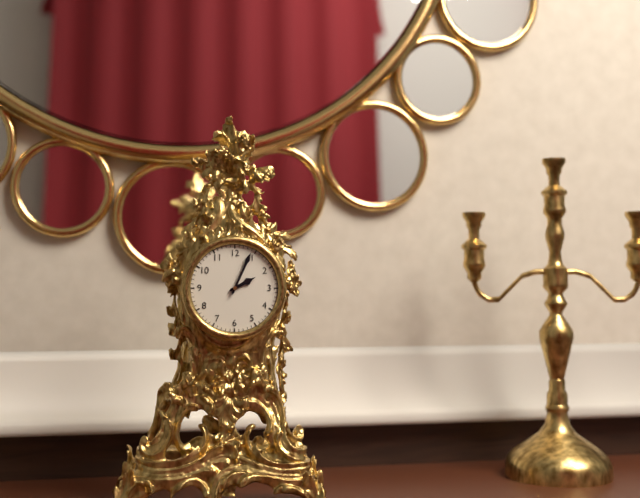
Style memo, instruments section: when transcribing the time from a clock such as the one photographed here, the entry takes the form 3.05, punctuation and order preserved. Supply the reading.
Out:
2.04
